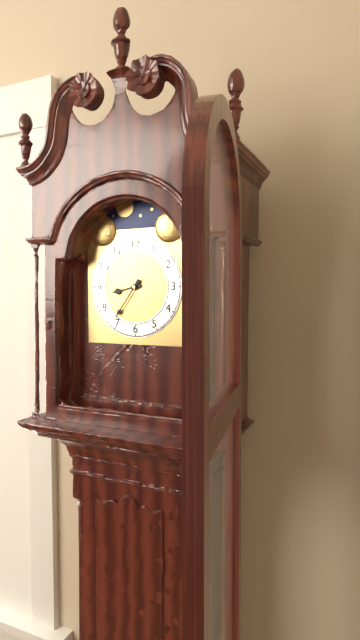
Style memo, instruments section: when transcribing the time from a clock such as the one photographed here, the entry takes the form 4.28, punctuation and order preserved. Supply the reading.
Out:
8.36
